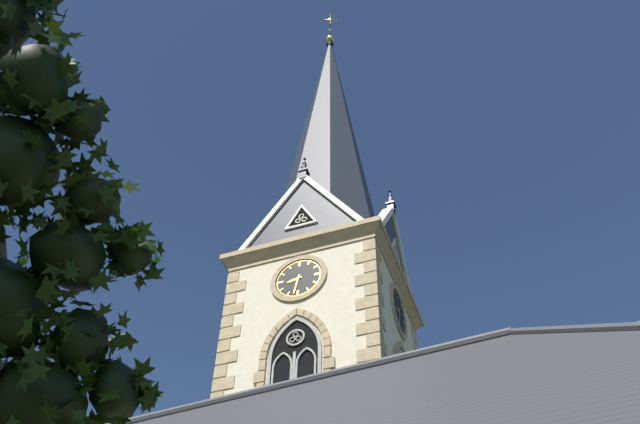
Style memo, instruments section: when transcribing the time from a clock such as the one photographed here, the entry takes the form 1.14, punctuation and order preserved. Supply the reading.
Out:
8.32
